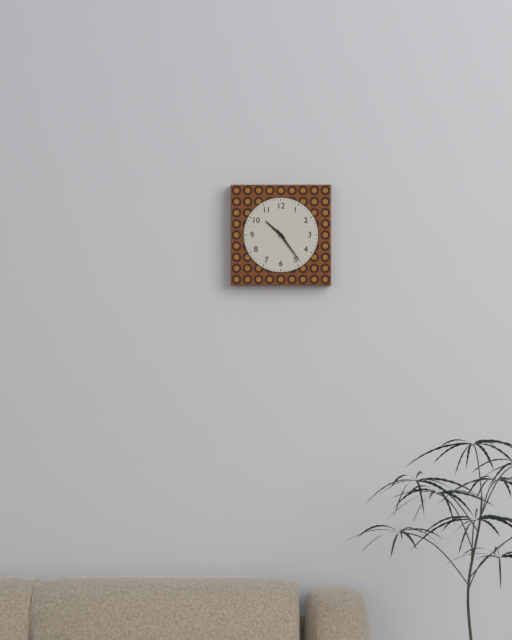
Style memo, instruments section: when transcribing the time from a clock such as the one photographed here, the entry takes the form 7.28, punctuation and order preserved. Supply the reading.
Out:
10.24
